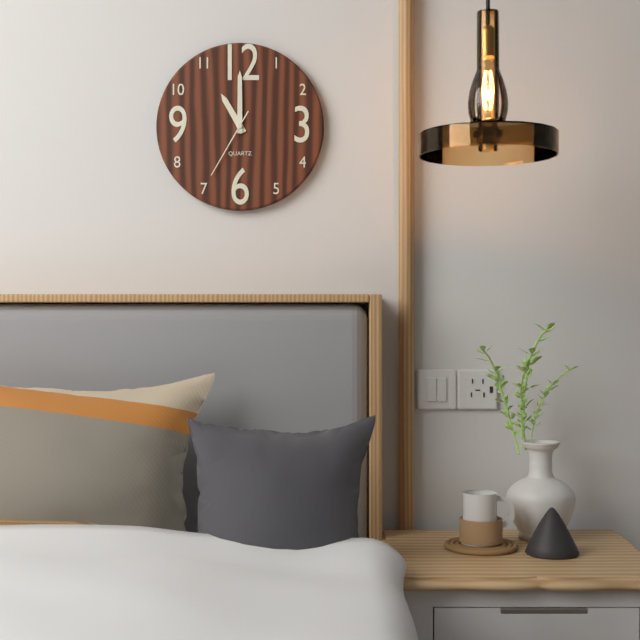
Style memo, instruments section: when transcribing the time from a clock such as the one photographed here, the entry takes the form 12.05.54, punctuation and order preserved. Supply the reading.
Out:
11.00.35
